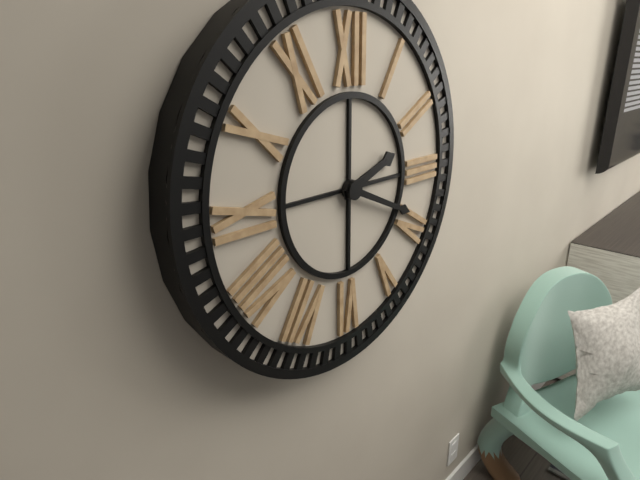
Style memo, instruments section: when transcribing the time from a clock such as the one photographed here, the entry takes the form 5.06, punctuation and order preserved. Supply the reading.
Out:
2.19
